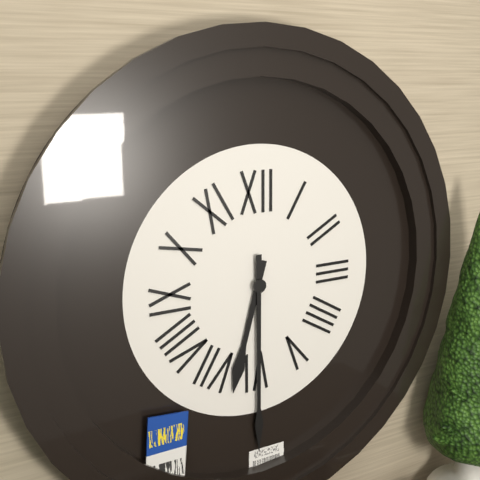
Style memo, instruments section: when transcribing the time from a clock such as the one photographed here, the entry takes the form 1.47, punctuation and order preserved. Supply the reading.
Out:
6.30
